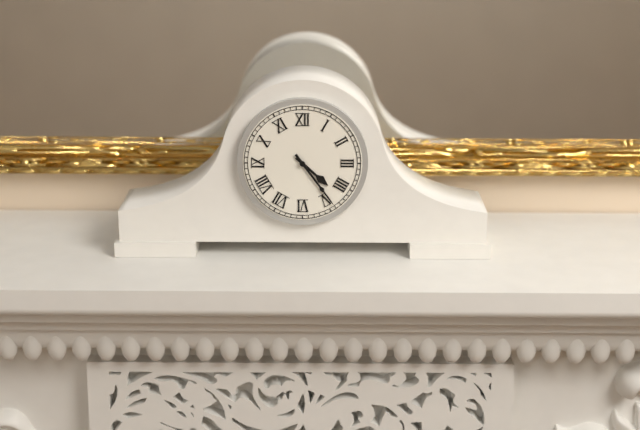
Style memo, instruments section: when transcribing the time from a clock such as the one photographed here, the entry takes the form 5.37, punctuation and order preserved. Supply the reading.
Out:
4.24
